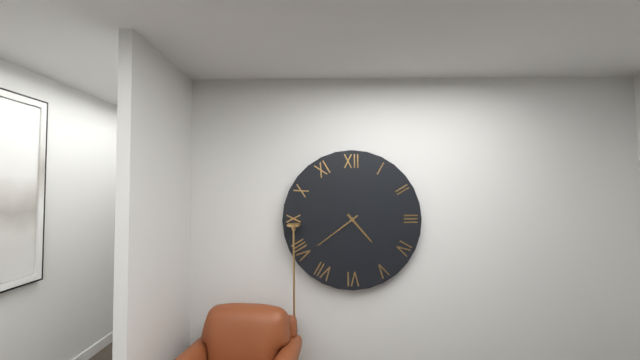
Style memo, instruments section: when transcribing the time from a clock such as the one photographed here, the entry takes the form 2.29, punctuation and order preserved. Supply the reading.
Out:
4.39
